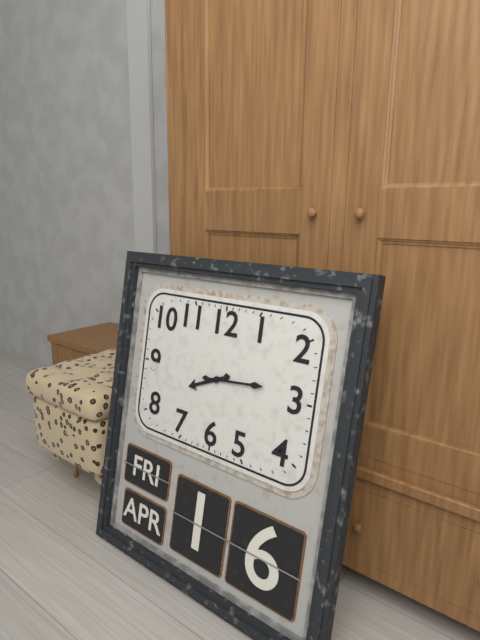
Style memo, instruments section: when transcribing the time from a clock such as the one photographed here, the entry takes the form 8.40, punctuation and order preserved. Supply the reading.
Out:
8.14
